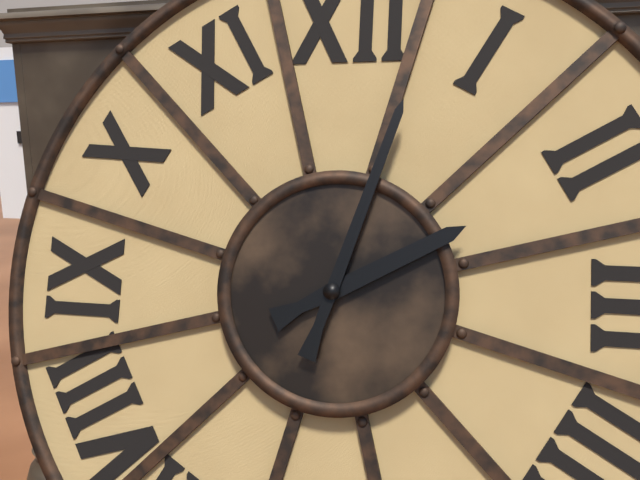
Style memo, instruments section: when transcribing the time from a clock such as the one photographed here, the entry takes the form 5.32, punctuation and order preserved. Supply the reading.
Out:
2.03
